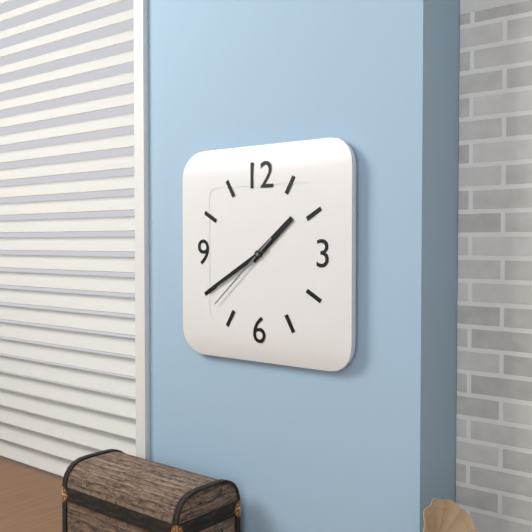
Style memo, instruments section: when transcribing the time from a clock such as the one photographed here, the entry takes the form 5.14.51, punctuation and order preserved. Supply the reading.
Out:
1.40.38
